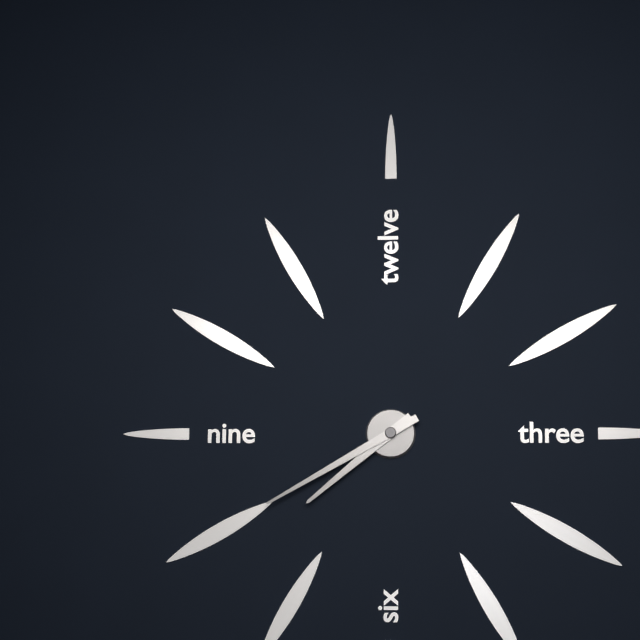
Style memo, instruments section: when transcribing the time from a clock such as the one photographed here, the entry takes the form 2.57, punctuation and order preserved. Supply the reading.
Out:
7.40
